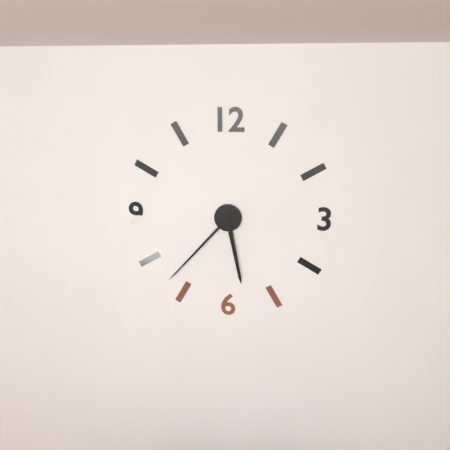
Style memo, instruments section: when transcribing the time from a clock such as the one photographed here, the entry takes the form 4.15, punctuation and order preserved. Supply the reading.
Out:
5.37
